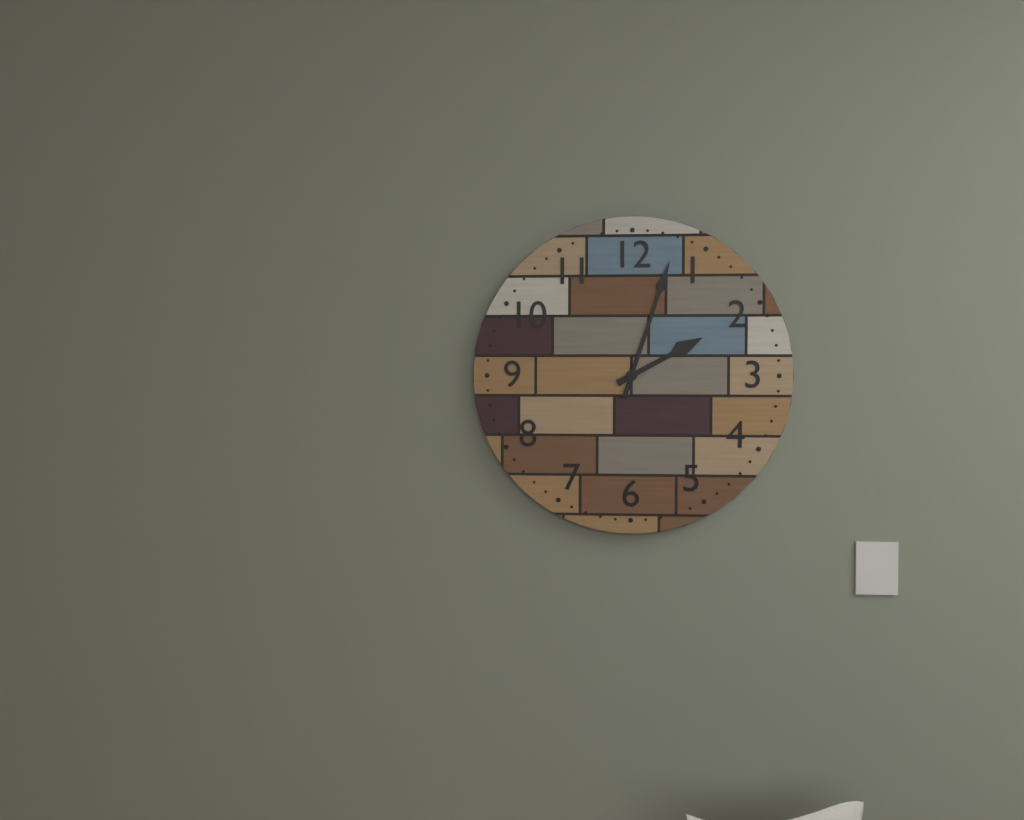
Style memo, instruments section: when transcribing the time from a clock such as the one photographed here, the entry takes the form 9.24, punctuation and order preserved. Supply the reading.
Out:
2.03
